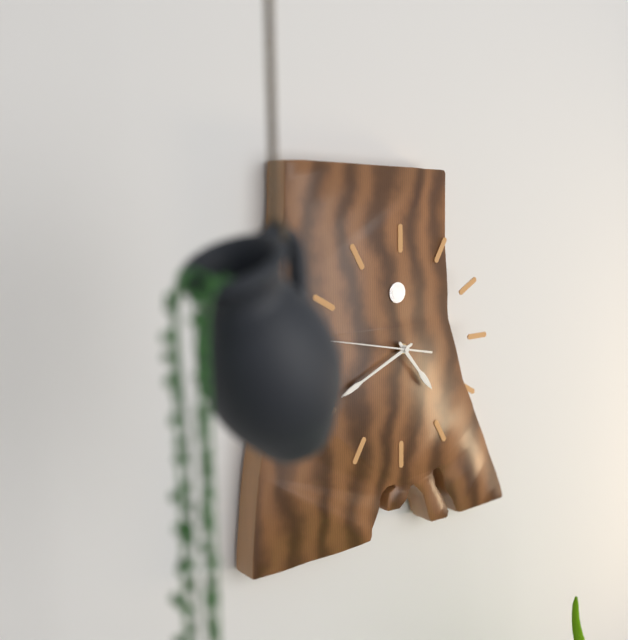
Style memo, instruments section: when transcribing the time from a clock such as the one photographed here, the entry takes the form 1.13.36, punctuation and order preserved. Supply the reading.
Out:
4.41.47
